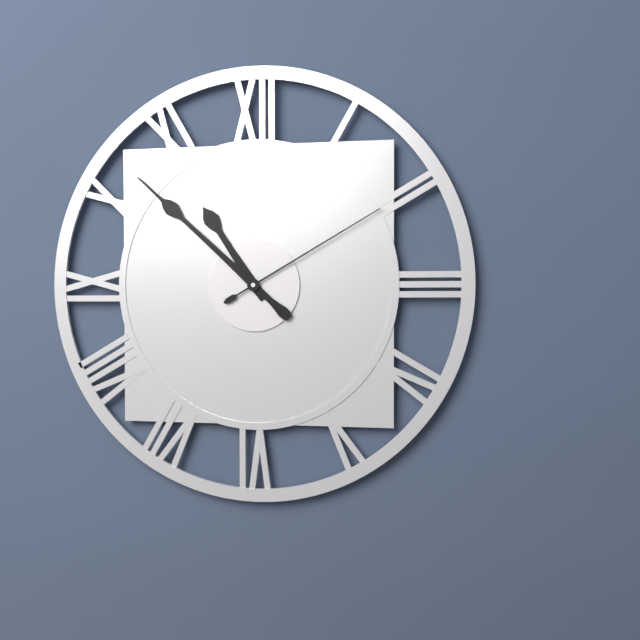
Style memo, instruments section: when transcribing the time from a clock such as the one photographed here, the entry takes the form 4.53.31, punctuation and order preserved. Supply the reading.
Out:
10.52.10
